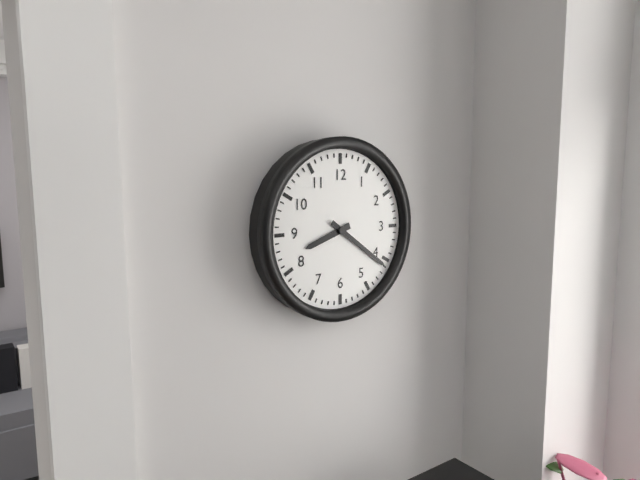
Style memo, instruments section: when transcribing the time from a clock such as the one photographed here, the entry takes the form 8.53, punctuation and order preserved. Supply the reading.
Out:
8.21
